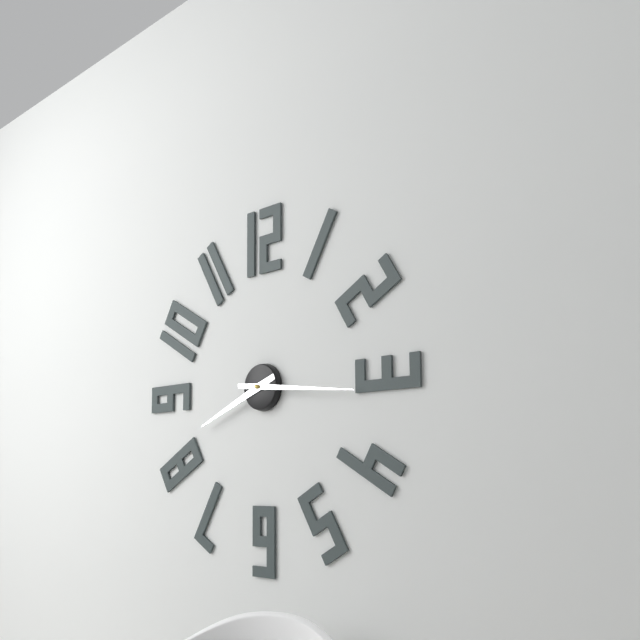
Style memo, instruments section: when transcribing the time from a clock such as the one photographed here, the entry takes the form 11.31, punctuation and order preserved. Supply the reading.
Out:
8.16
